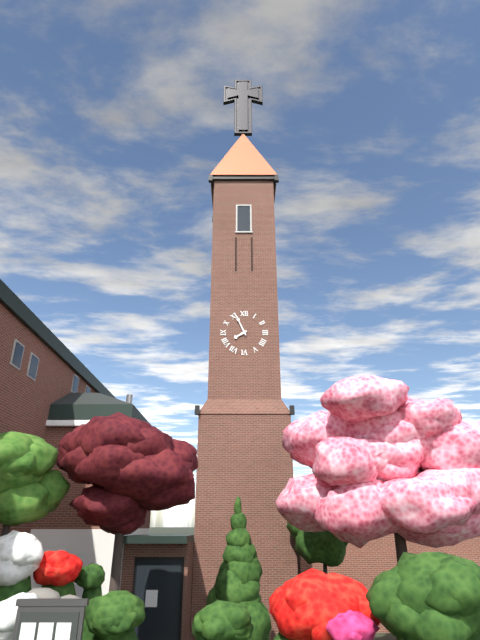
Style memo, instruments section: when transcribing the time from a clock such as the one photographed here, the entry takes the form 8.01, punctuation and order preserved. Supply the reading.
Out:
7.56
